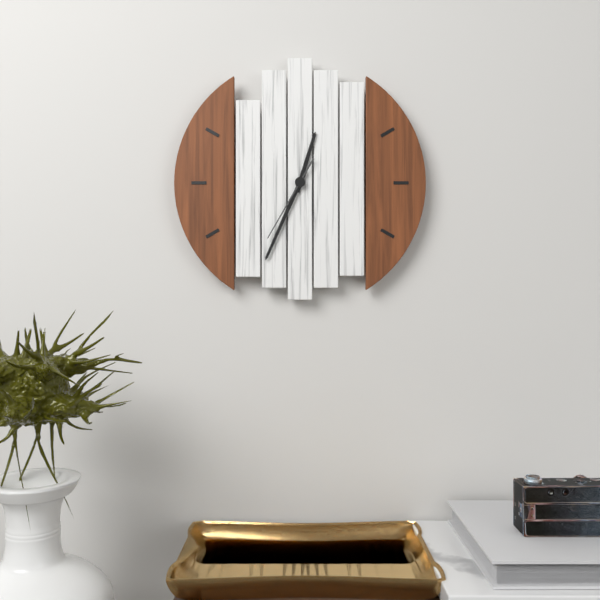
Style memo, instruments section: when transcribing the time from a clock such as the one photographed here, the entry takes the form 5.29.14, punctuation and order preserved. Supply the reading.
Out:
12.34.35
